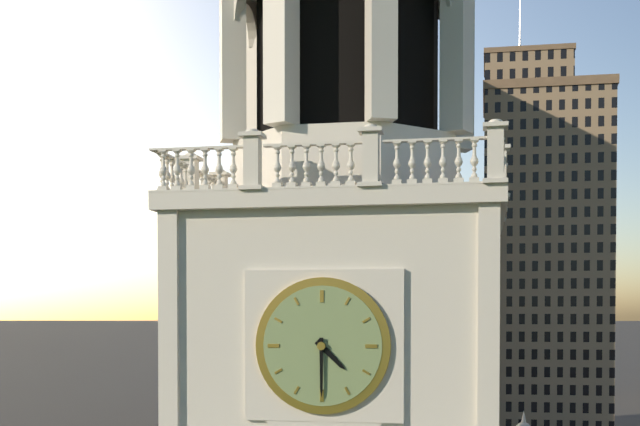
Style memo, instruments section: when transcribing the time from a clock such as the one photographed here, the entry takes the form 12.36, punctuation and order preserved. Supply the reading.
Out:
4.30
